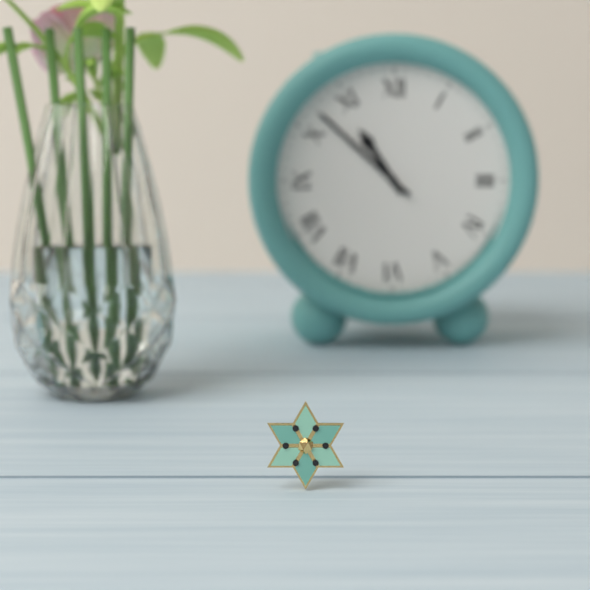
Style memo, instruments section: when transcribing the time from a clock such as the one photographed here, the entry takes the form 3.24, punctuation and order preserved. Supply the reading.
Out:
10.52
